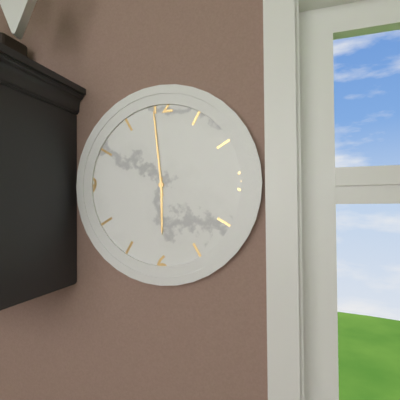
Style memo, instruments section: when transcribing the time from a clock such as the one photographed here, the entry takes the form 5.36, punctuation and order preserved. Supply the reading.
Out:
5.59
